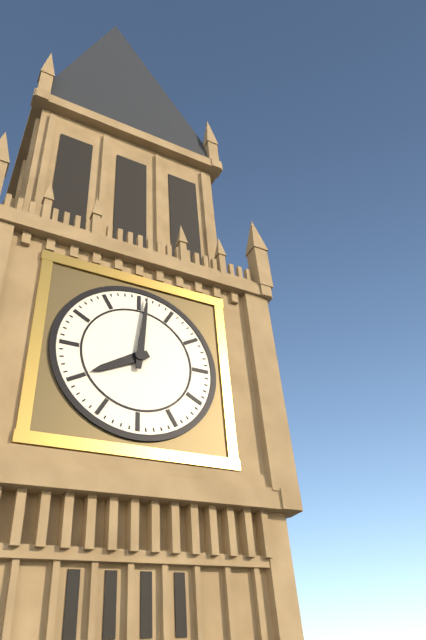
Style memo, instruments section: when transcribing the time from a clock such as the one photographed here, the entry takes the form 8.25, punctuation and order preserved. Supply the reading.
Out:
8.01
